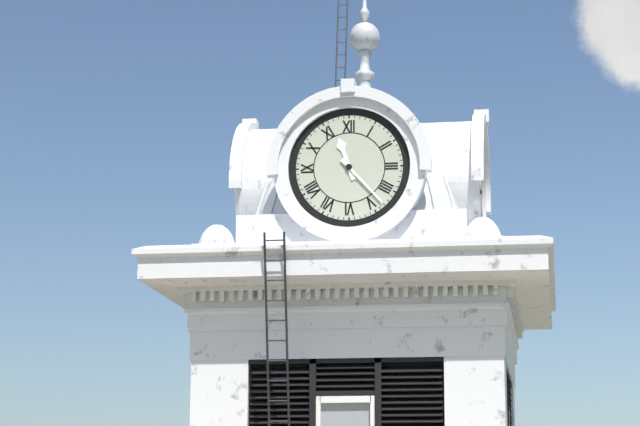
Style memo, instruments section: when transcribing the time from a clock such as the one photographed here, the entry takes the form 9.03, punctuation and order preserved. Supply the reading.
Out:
11.23
